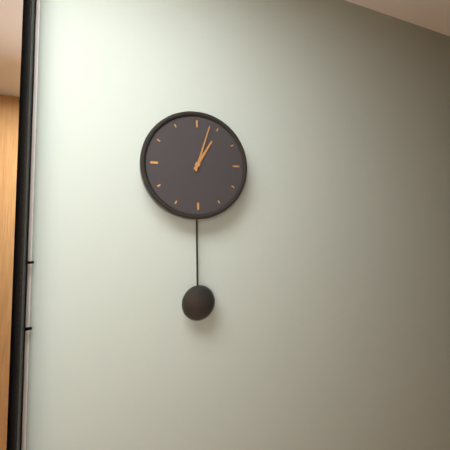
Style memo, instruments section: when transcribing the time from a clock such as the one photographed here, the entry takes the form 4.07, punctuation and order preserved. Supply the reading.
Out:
1.03
